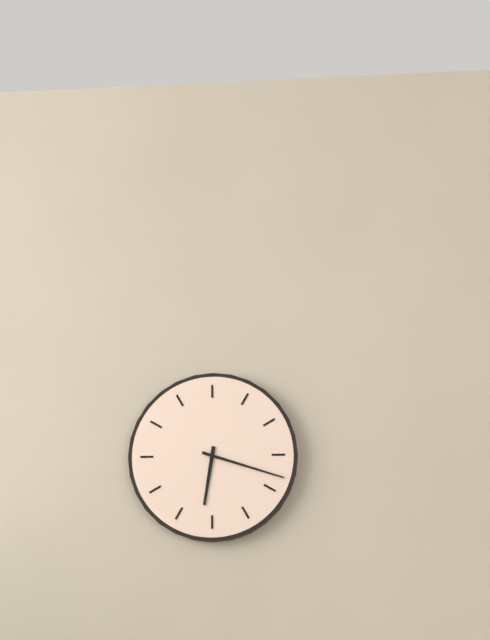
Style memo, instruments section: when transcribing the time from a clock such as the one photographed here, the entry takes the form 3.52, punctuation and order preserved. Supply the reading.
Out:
6.18
